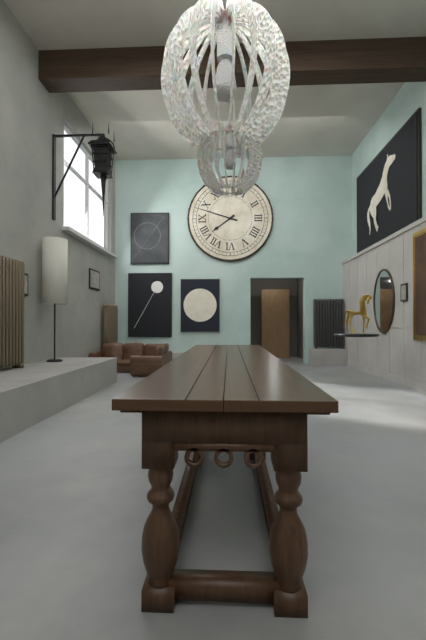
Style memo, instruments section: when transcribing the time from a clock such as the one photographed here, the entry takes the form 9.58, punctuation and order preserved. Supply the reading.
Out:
7.48
